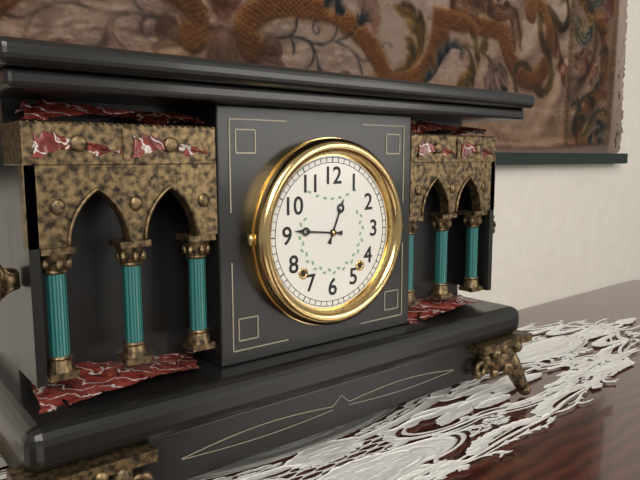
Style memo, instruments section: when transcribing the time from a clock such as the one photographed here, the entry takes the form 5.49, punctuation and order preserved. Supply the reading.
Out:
12.46
